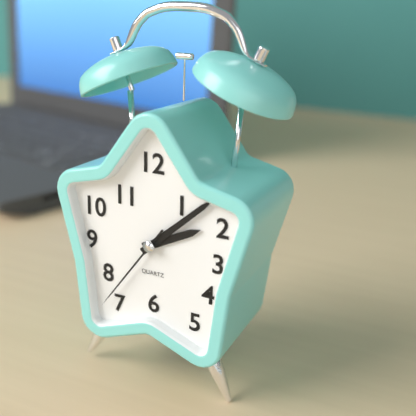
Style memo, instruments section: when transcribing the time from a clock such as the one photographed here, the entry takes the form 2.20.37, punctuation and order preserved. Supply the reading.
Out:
2.08.36
